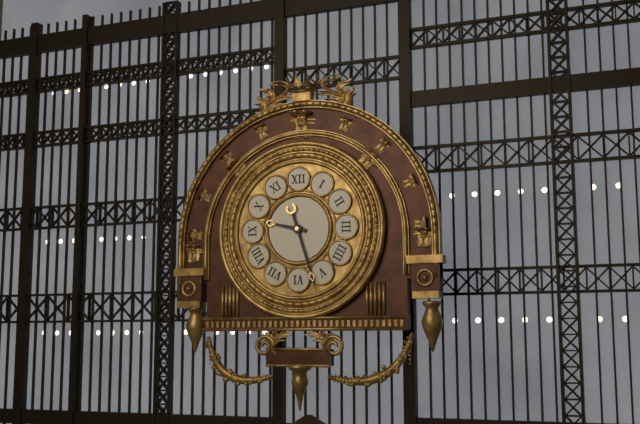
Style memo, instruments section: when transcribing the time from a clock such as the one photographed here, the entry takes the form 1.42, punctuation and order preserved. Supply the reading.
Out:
9.27
